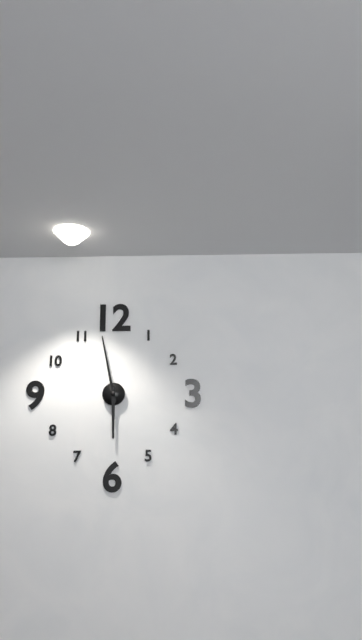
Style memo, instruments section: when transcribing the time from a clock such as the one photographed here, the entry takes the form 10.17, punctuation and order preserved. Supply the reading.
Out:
5.58
